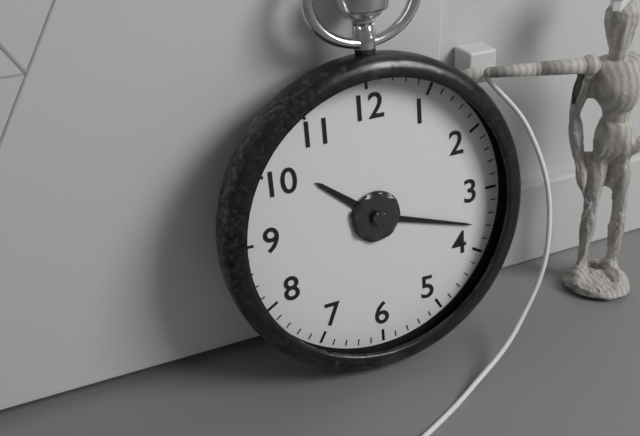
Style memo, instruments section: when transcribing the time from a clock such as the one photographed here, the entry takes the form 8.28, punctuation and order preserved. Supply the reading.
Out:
10.18
